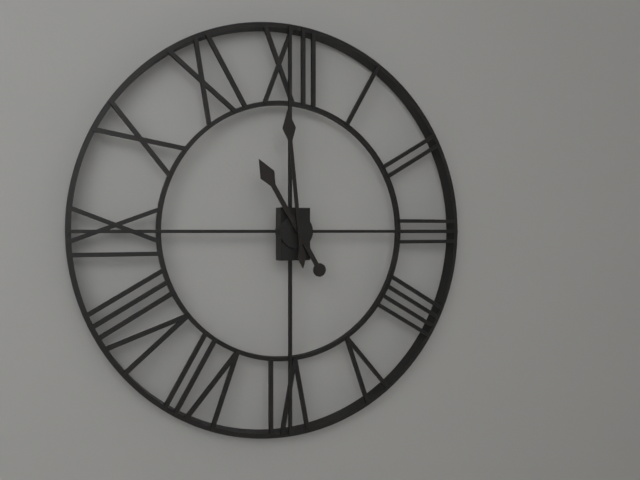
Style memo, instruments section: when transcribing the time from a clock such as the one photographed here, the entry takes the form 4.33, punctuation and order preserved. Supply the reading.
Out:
10.59
